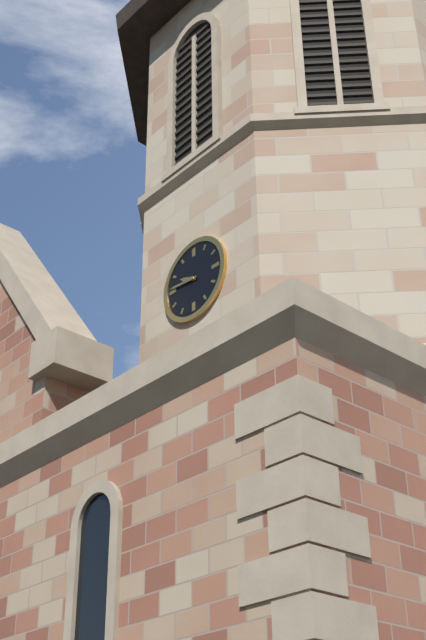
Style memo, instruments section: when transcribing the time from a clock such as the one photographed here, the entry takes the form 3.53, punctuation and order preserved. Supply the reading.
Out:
9.46
